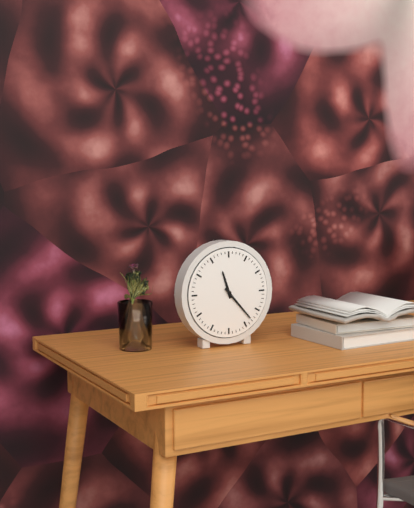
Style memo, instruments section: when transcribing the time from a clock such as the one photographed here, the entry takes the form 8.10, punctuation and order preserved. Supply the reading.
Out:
11.23
